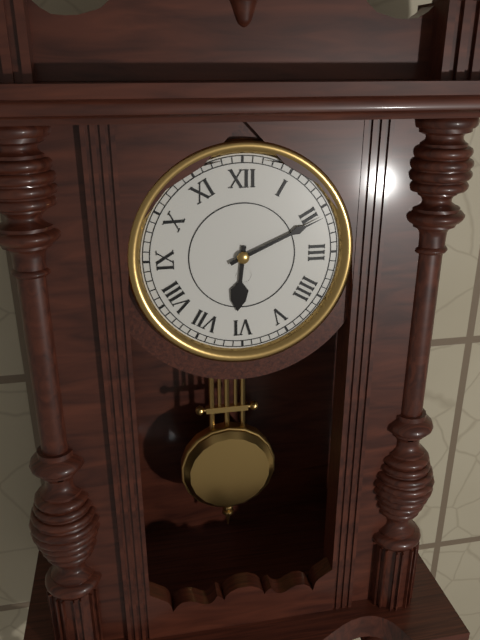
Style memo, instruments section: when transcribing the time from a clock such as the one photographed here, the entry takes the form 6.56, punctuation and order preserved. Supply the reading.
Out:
6.11
